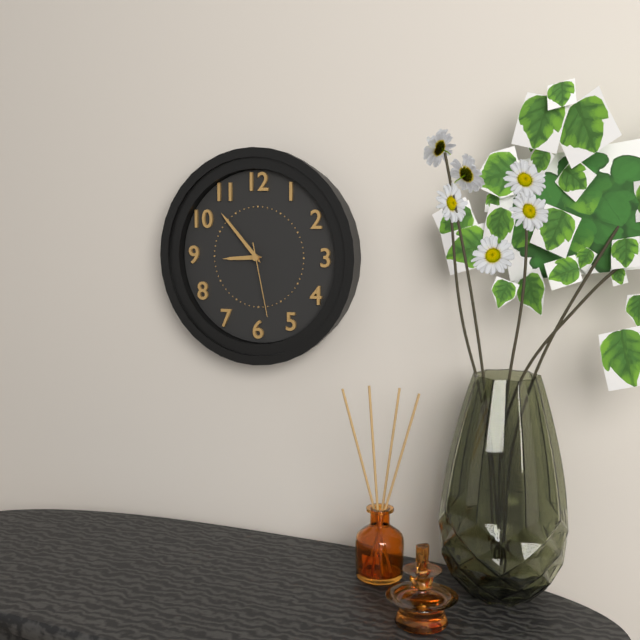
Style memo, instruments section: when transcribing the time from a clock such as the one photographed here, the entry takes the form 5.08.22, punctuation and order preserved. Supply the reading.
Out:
8.53.28
